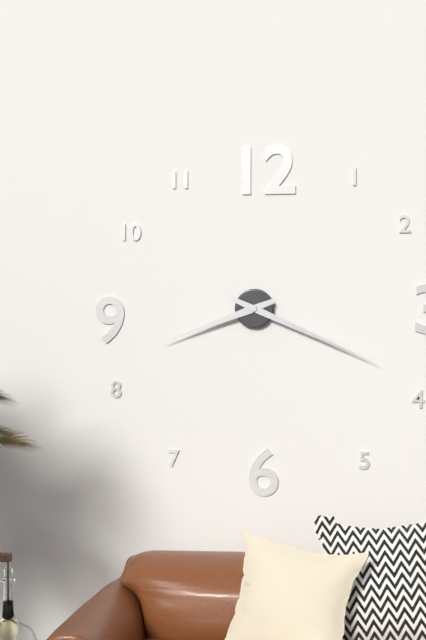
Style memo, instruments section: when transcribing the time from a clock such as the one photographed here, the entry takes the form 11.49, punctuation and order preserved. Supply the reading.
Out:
8.19
